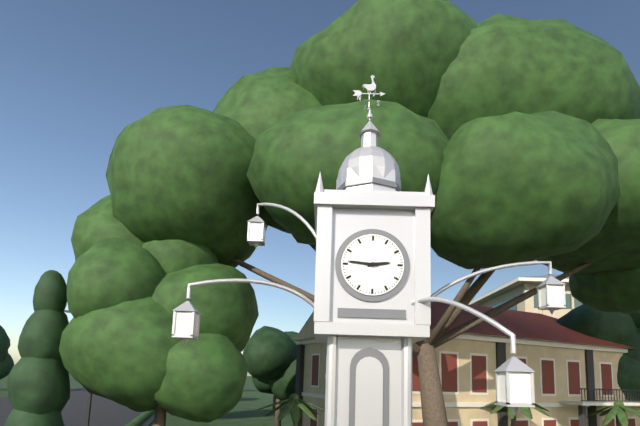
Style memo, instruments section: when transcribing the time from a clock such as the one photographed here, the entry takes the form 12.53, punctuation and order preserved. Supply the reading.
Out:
2.46
